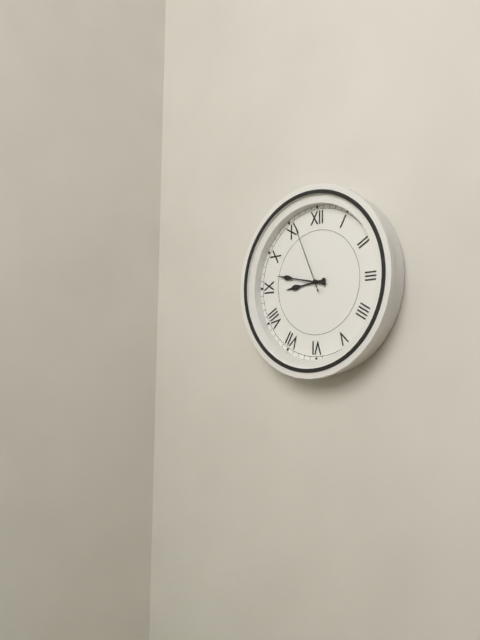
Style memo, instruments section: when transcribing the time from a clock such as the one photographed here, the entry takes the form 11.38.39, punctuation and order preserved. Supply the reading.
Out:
8.47.56
